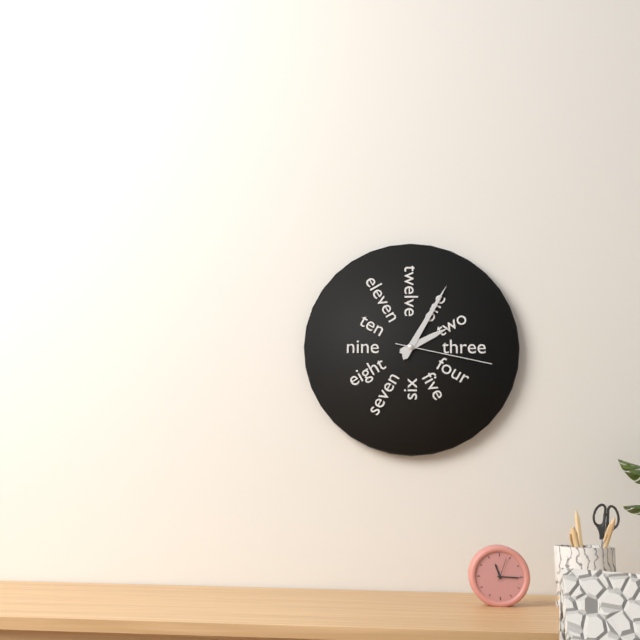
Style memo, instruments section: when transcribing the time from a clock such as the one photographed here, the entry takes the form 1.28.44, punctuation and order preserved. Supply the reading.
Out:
2.05.17
